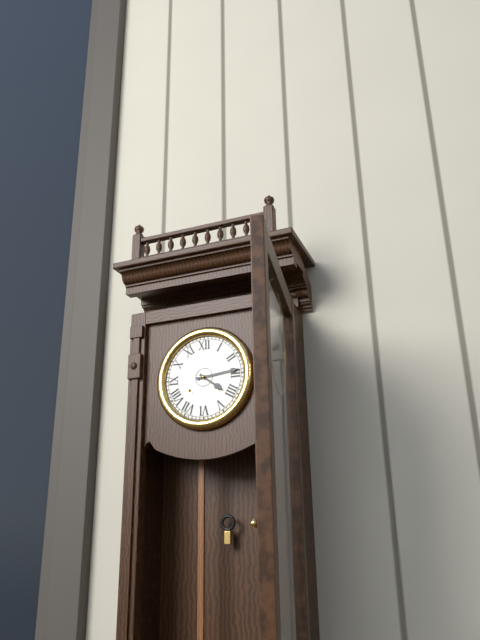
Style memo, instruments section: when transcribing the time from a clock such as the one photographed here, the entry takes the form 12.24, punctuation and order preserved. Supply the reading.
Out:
4.14
